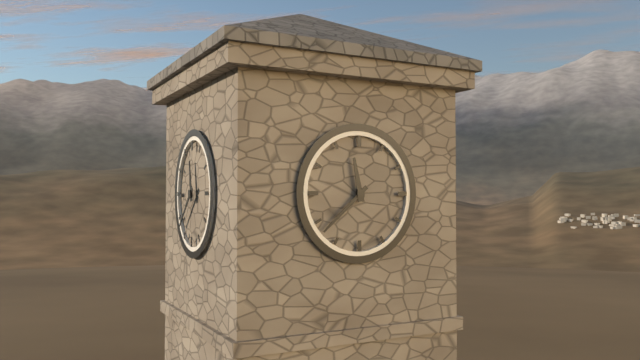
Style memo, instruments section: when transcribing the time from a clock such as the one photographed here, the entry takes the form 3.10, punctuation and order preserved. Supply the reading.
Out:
11.38
